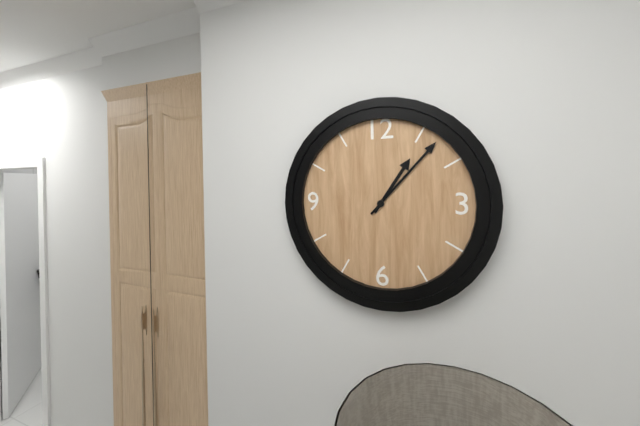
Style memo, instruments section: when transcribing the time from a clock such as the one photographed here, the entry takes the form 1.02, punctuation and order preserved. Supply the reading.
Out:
1.07
